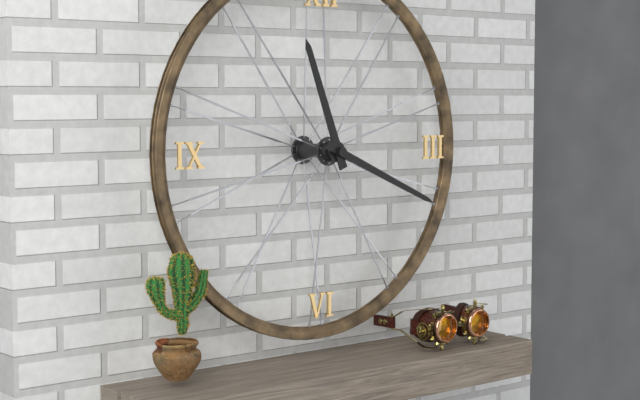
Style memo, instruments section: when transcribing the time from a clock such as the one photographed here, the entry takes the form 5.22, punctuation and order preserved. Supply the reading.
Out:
11.19
